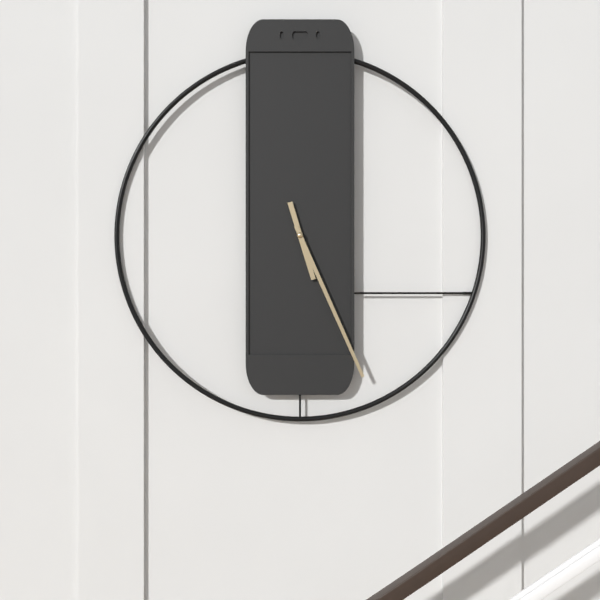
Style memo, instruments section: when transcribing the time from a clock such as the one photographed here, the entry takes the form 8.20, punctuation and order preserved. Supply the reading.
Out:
5.26
